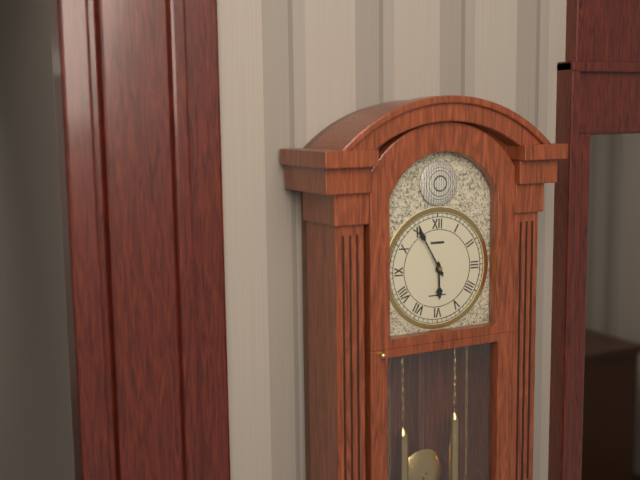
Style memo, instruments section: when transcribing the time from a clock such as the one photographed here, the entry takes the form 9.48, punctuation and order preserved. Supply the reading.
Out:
5.55
